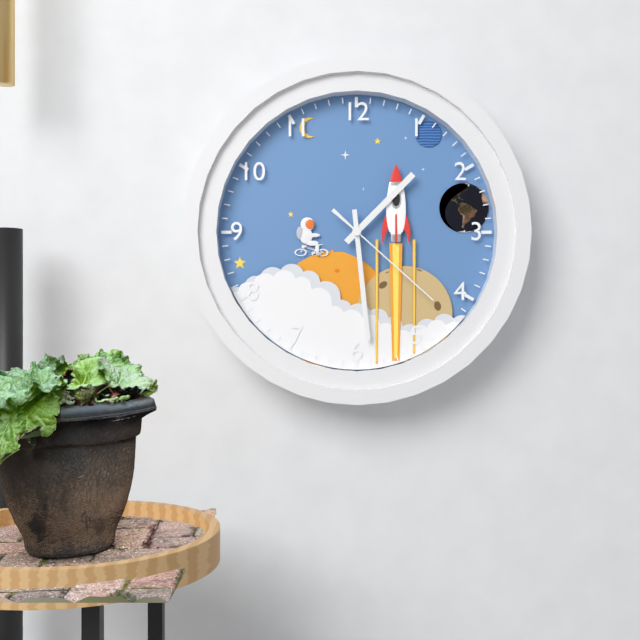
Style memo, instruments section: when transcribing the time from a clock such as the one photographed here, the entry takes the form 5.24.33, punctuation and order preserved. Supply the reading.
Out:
1.29.22
